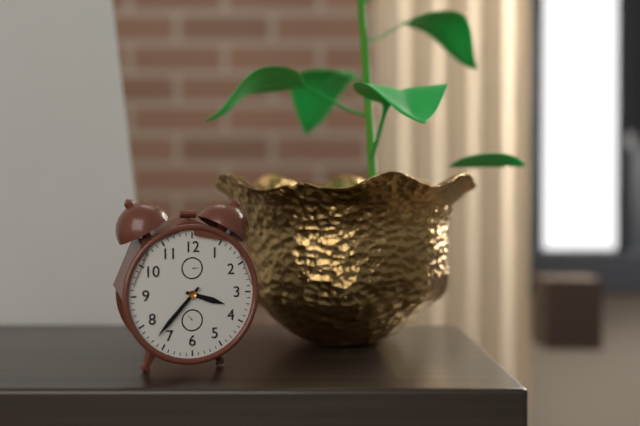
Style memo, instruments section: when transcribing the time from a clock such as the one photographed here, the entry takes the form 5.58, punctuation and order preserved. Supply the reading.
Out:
3.37
